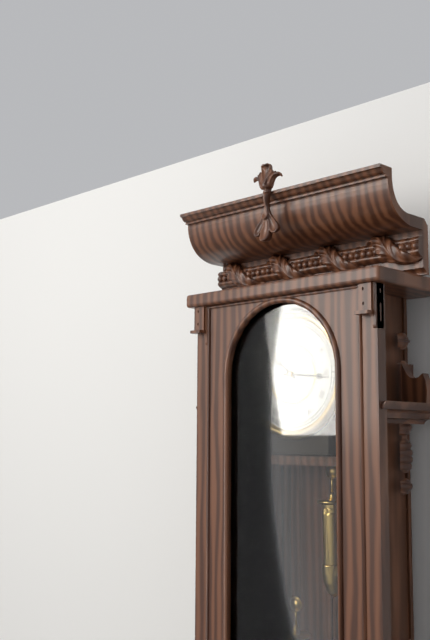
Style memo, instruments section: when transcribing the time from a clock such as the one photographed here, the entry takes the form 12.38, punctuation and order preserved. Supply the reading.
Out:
10.16
